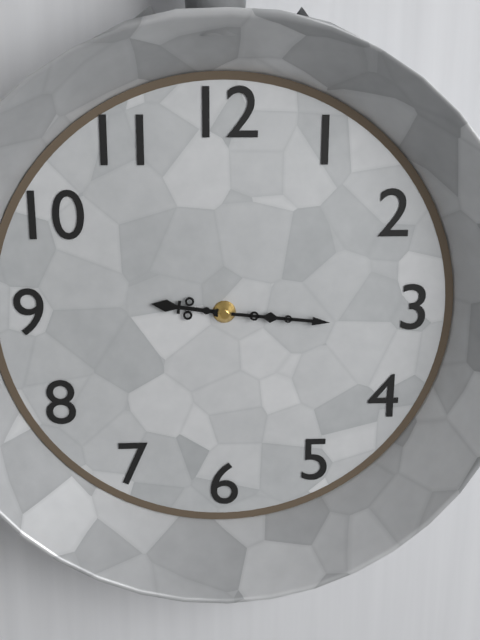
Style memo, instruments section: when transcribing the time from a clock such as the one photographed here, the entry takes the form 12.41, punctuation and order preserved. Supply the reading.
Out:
9.16
